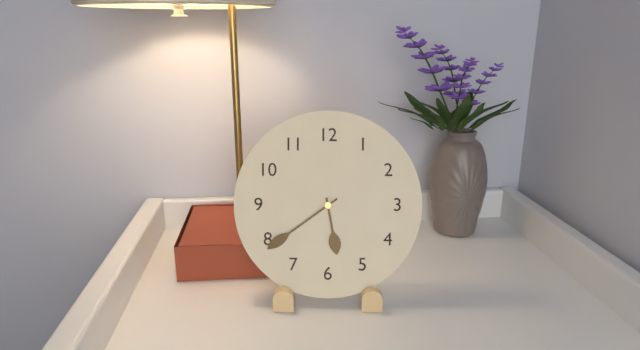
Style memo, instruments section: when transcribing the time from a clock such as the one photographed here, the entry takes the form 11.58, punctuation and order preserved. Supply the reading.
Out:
5.39
